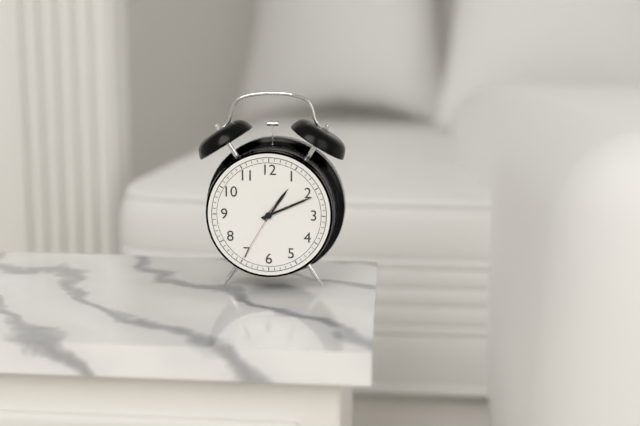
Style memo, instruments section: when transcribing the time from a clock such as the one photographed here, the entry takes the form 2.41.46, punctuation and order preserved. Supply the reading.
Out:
1.11.35
